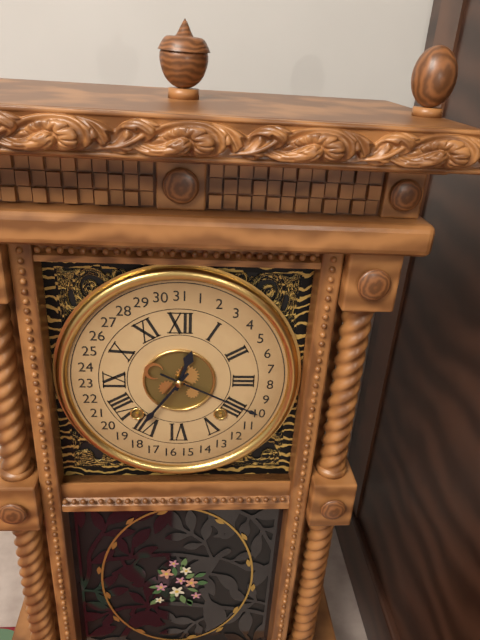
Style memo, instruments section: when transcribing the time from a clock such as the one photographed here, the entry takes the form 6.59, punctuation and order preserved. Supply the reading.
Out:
12.36
